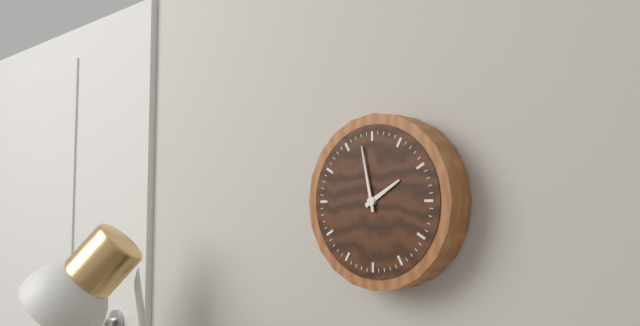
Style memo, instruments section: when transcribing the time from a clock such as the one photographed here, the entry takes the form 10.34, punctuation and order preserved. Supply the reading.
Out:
1.58
